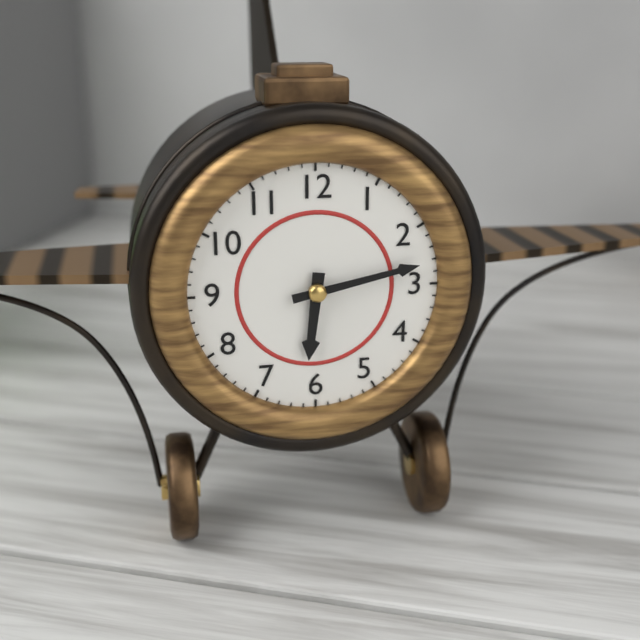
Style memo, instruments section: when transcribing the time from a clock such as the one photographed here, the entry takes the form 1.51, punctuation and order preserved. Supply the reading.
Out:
6.13
